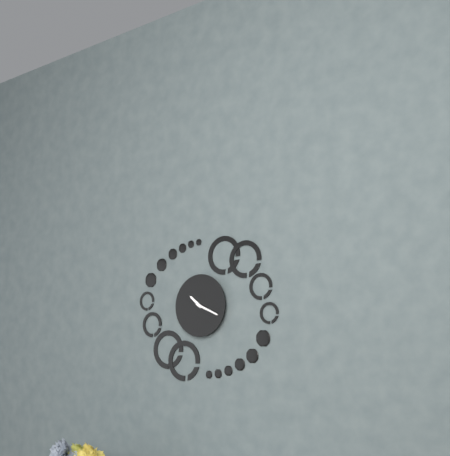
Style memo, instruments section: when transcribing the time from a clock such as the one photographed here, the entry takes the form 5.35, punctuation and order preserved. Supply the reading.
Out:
10.19
